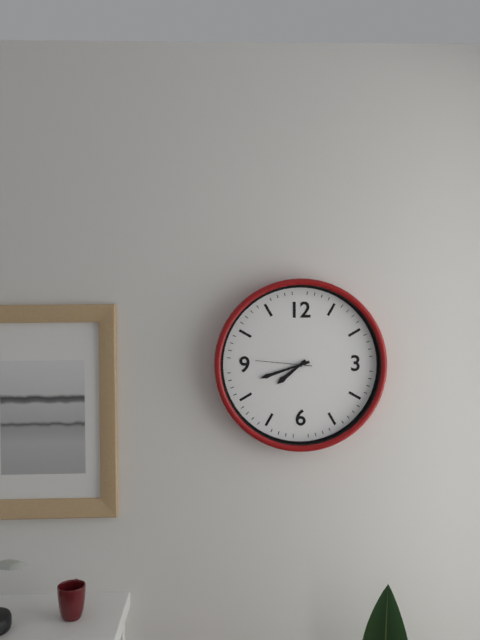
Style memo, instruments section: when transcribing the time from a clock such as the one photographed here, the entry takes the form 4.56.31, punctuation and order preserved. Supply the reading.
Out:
7.42.46
